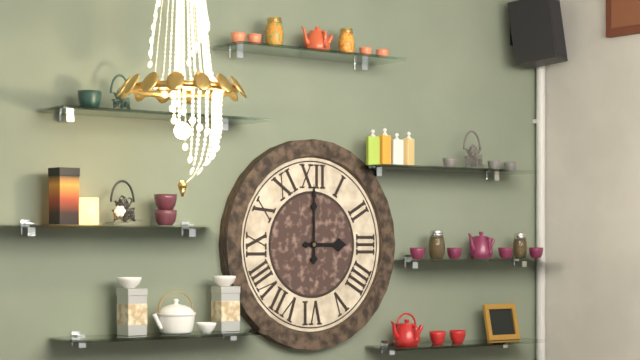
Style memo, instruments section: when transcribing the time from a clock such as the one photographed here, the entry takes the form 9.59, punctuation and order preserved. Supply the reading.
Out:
3.00
